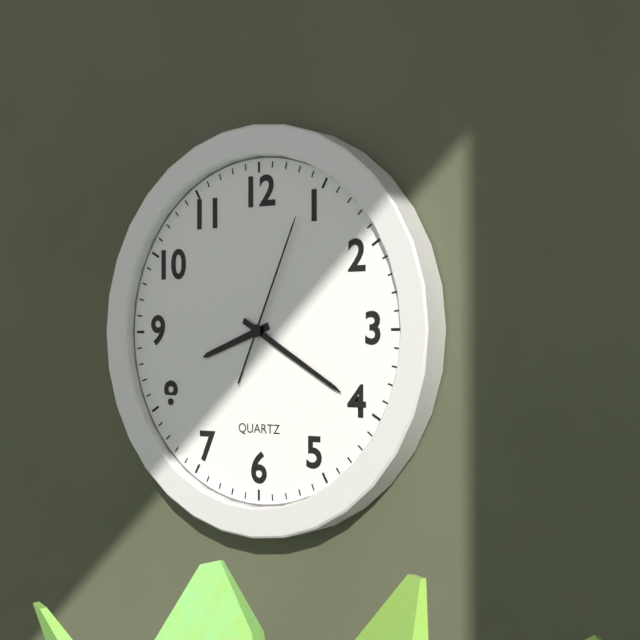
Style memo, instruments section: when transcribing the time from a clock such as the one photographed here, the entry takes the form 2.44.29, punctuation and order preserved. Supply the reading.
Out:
8.20.04
